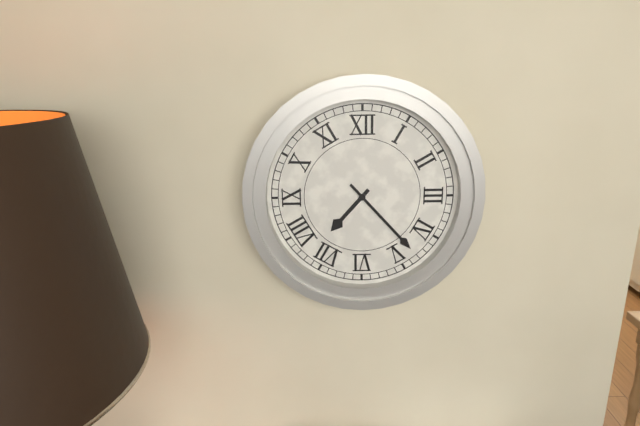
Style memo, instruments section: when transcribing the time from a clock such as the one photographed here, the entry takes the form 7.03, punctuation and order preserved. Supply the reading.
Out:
7.23
